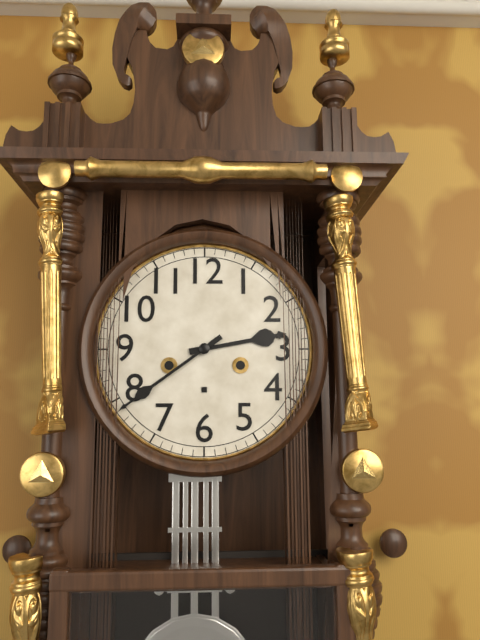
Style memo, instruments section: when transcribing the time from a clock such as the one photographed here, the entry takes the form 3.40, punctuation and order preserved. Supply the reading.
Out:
2.39
